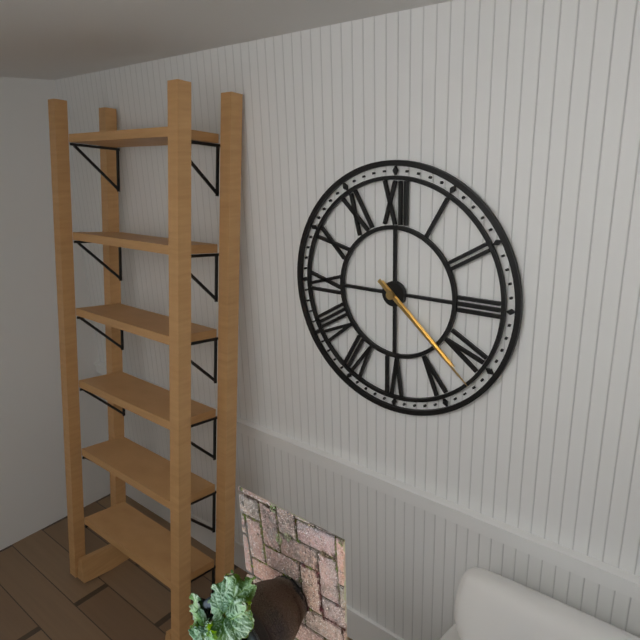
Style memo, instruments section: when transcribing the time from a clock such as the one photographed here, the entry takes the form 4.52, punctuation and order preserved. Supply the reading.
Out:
4.22
